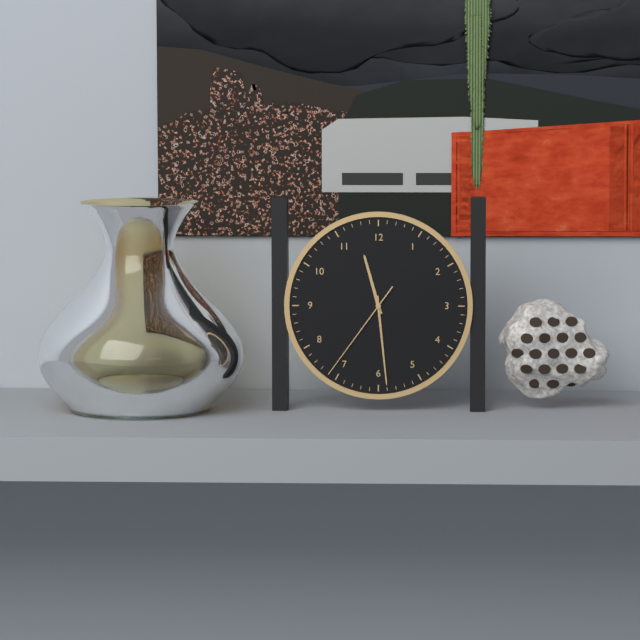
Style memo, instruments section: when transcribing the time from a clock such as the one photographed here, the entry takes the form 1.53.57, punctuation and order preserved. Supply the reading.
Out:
11.29.36
